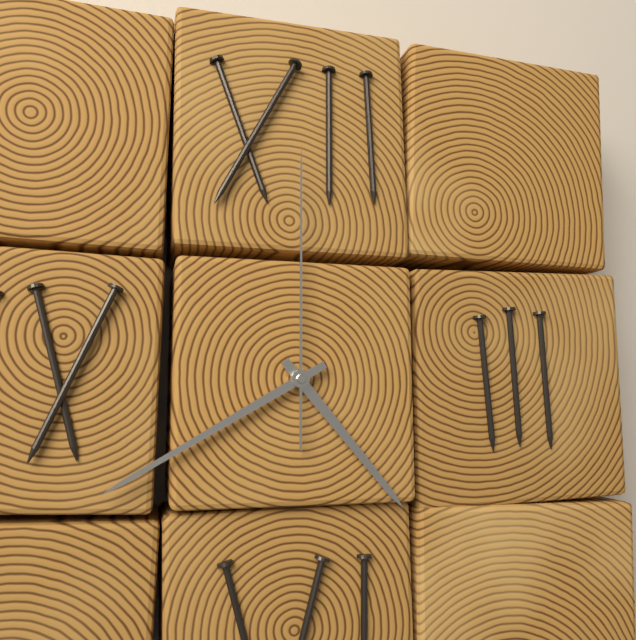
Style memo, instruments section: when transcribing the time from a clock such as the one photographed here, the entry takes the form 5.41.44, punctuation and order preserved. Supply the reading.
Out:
4.40.00
